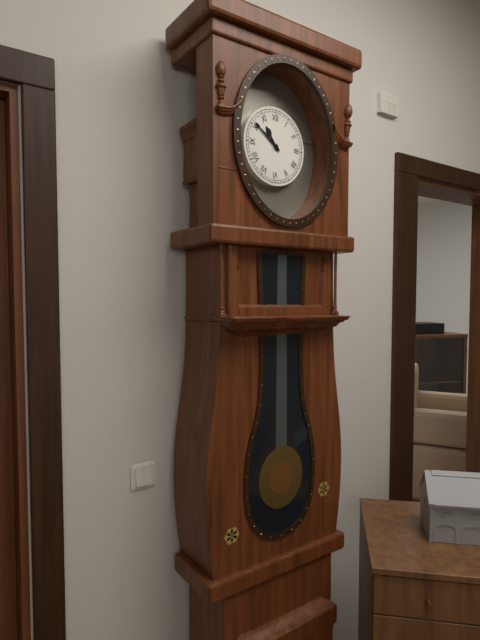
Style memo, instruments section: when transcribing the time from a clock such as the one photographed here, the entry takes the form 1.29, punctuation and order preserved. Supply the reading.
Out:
10.51
